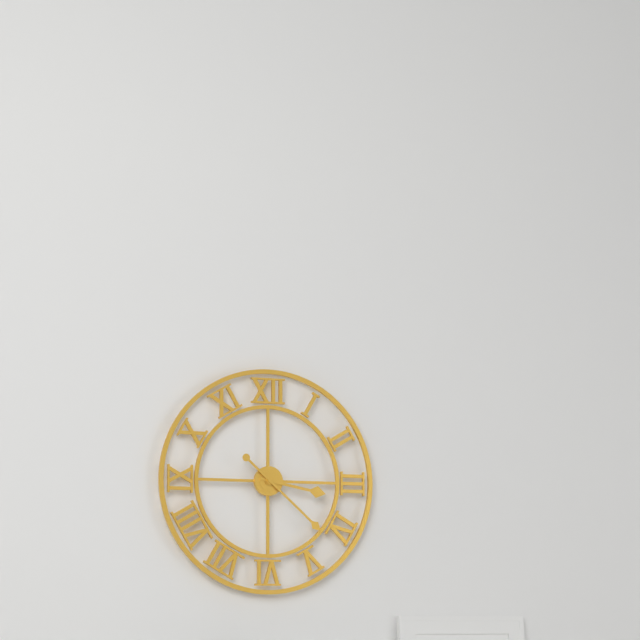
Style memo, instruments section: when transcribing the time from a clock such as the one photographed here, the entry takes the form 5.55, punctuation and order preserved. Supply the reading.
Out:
3.22
